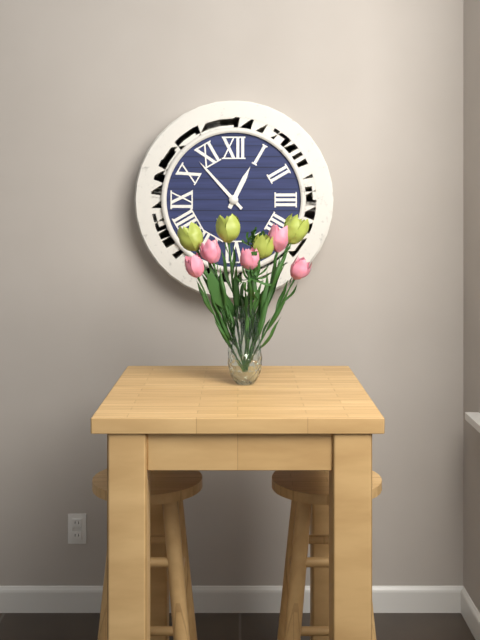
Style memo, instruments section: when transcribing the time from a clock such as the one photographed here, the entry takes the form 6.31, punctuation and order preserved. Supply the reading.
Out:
12.53
